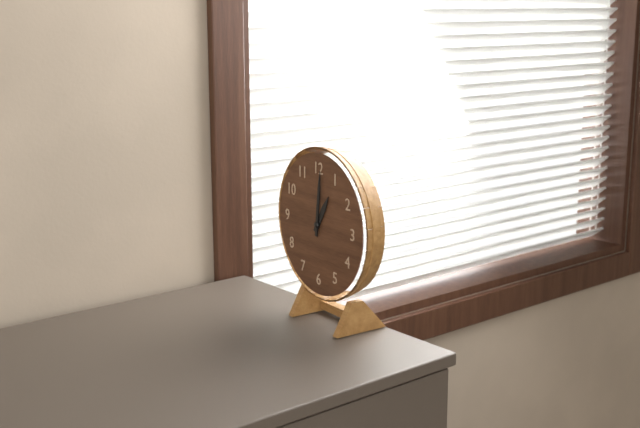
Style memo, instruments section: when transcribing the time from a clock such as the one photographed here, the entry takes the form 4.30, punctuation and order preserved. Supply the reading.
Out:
1.01
